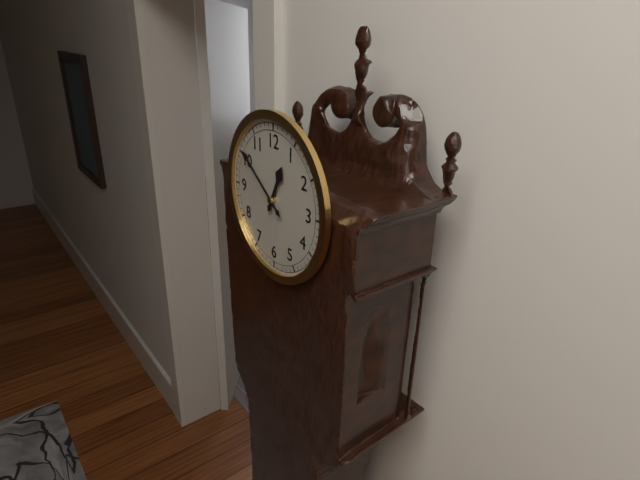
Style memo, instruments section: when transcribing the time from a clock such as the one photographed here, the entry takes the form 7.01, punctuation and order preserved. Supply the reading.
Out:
12.51
